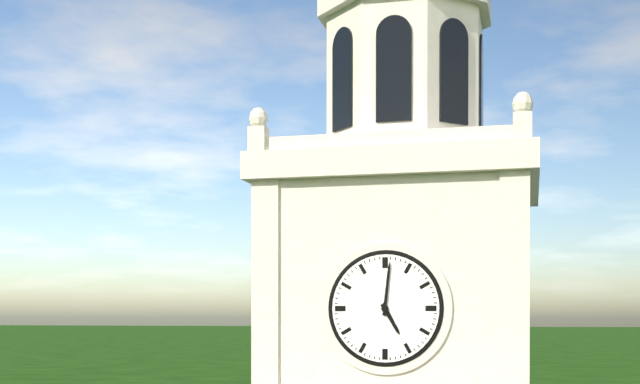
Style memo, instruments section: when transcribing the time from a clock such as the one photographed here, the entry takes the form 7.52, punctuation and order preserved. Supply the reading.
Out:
5.01
